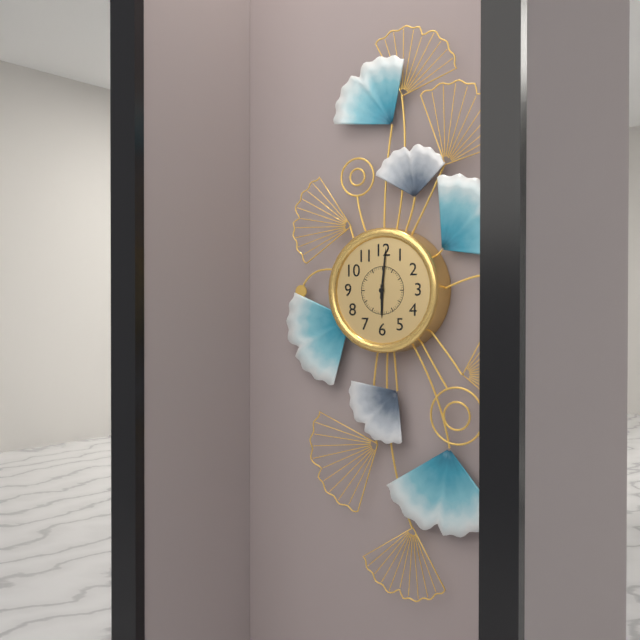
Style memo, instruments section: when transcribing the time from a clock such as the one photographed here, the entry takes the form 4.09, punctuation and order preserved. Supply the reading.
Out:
6.01
